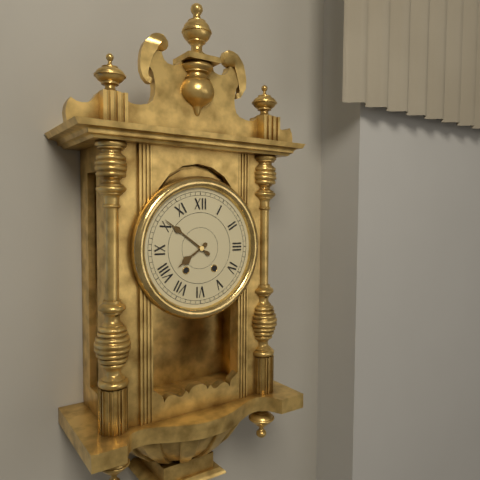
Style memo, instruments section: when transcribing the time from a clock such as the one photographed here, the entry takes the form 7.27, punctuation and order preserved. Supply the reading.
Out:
7.51
